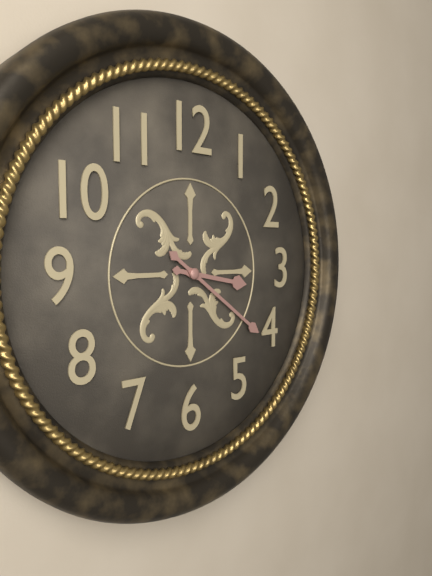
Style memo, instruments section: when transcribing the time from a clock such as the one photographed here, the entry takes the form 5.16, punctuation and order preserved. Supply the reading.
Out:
3.21
